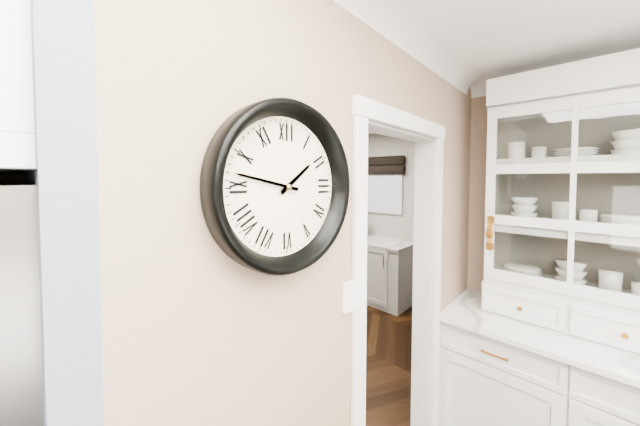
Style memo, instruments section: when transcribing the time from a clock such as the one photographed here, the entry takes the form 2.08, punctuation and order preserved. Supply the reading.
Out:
1.47
